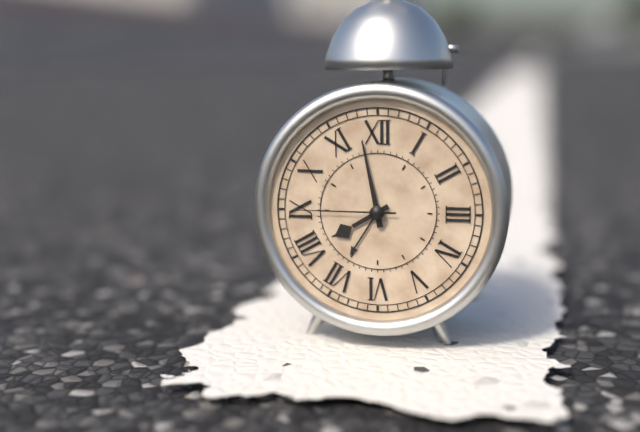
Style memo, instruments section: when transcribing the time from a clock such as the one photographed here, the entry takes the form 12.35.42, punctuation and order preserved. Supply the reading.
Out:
7.58.45
